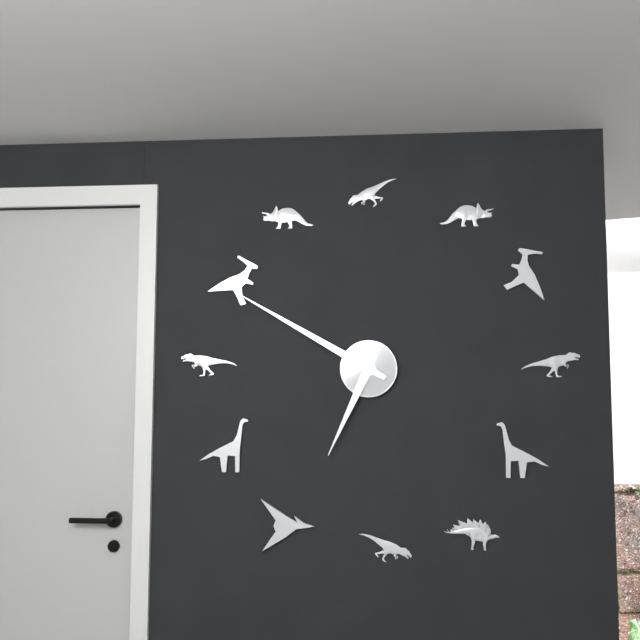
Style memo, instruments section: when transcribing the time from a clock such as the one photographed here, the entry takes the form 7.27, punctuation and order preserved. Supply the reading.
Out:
6.50
